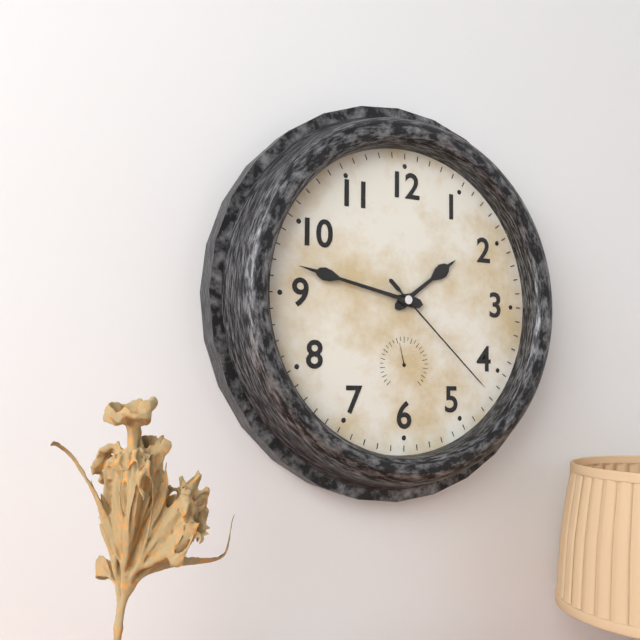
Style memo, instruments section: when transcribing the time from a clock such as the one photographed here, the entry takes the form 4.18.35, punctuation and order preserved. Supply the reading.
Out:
1.47.22
